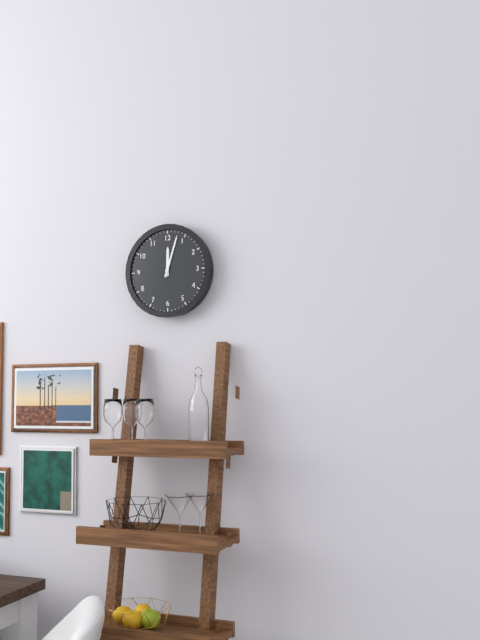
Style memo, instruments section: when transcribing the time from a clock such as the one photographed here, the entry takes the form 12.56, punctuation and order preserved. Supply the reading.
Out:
12.03
